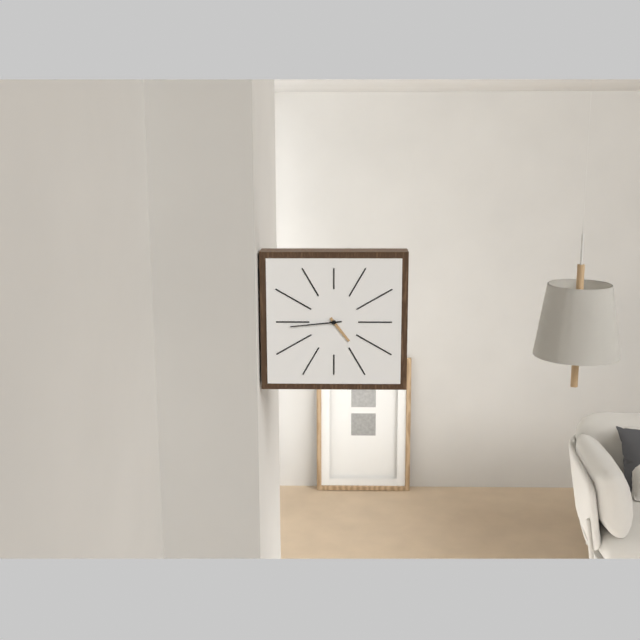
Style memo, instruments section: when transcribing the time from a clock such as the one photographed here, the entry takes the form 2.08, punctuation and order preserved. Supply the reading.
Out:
4.44
